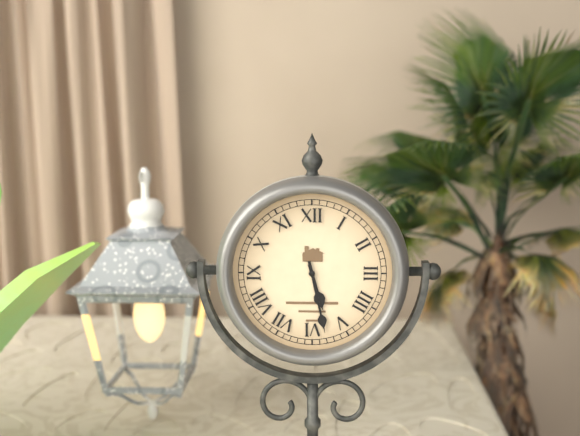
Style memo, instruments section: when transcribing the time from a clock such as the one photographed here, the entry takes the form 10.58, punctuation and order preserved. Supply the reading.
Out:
5.28
